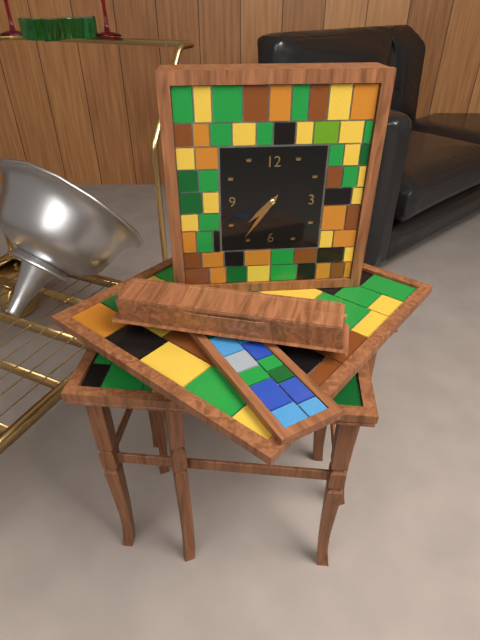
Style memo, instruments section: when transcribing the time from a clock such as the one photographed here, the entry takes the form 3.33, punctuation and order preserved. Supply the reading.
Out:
7.36
